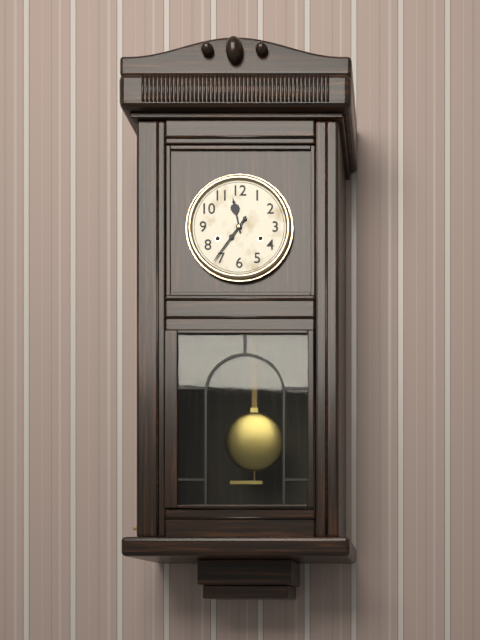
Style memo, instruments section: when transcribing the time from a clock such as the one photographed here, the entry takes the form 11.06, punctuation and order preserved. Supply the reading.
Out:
11.36
